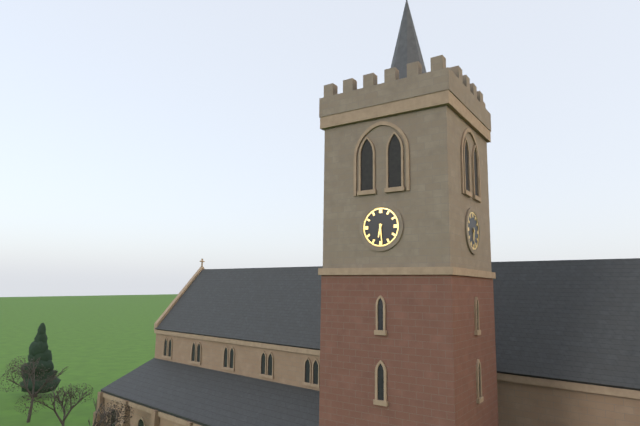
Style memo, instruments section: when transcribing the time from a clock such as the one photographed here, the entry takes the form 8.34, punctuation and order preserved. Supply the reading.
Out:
6.29
